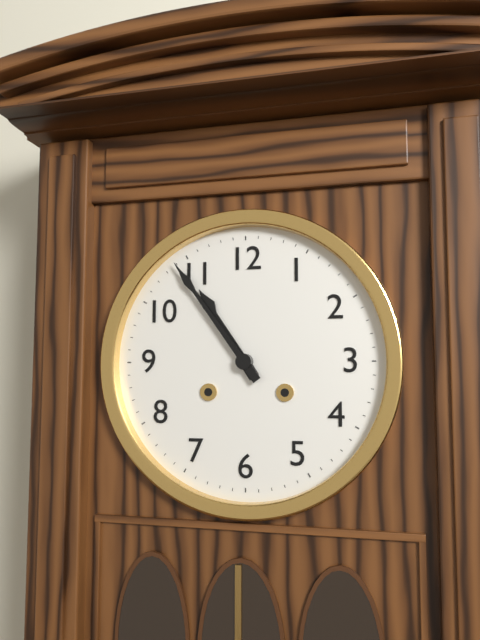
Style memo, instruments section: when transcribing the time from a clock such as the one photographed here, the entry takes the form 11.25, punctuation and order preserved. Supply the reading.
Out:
10.54
